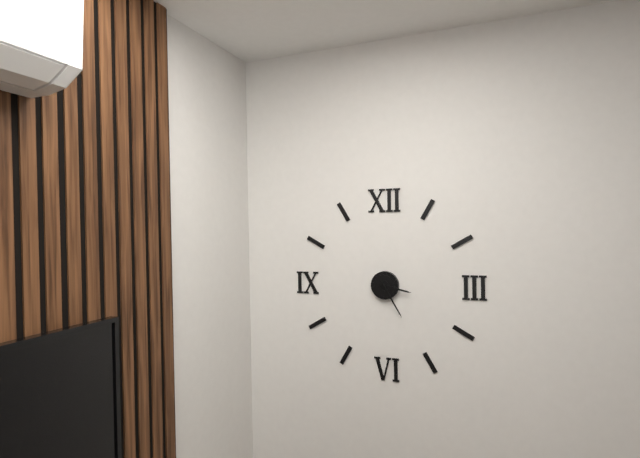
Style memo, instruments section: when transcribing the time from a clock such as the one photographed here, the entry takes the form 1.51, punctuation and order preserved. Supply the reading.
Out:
3.25
